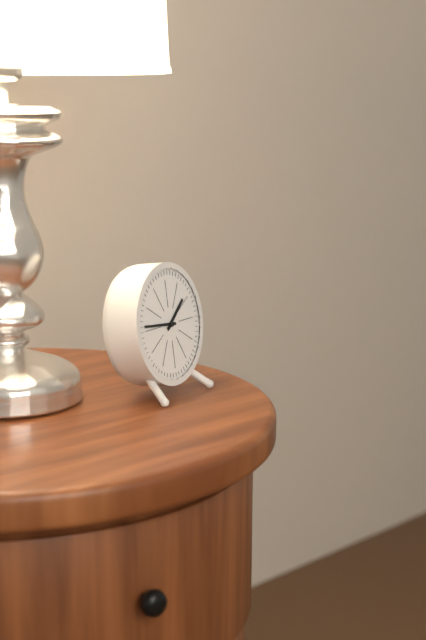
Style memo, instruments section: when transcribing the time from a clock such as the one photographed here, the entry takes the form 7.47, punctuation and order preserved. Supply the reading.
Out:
1.46
